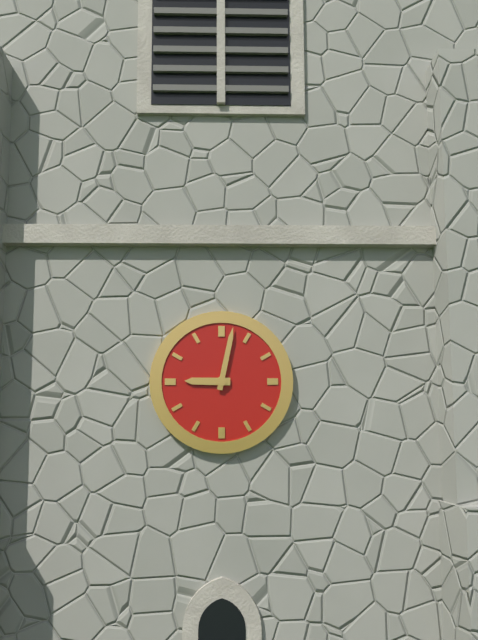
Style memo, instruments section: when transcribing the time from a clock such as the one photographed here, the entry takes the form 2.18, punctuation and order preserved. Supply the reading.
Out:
9.02
